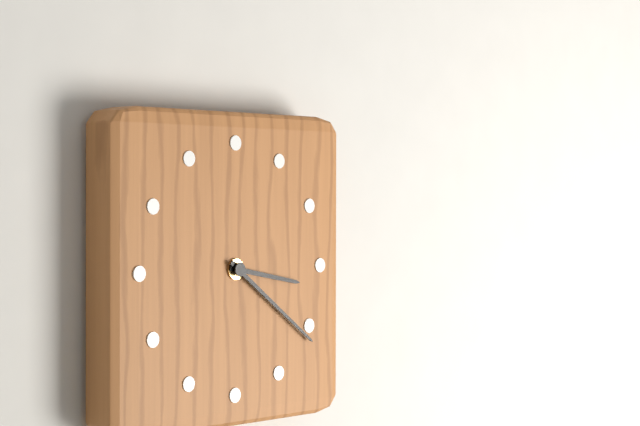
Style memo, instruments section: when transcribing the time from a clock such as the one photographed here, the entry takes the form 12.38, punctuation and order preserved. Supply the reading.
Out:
3.21
